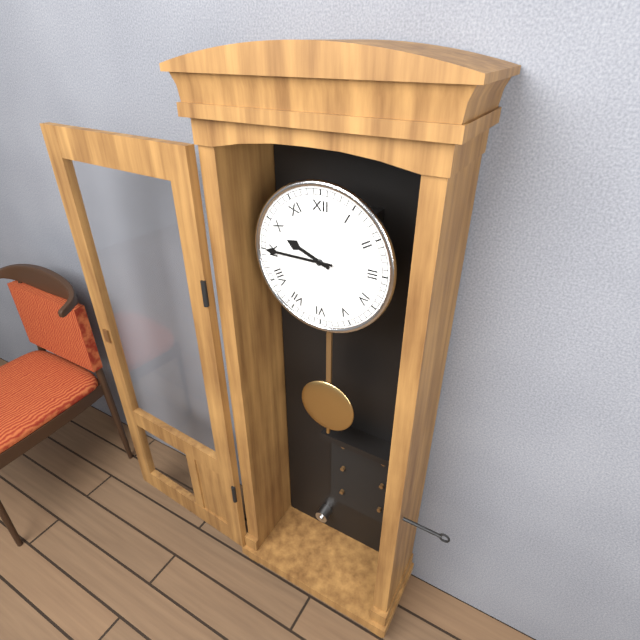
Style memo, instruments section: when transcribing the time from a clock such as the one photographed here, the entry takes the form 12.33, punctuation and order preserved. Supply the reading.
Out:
9.45
